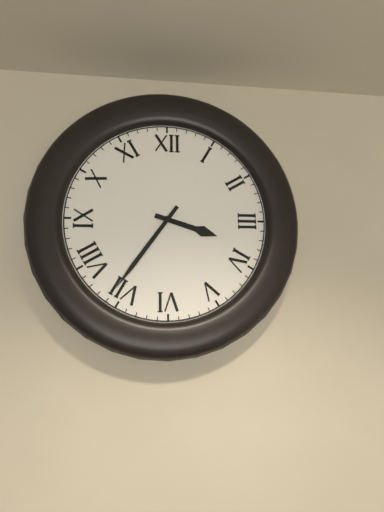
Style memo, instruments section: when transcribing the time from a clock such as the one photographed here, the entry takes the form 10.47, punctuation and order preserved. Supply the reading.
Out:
3.36
